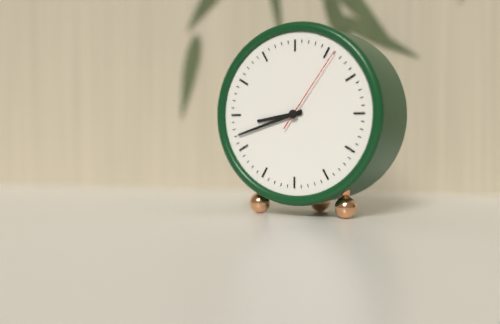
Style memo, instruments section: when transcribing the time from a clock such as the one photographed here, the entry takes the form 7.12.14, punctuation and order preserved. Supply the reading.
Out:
8.42.06
